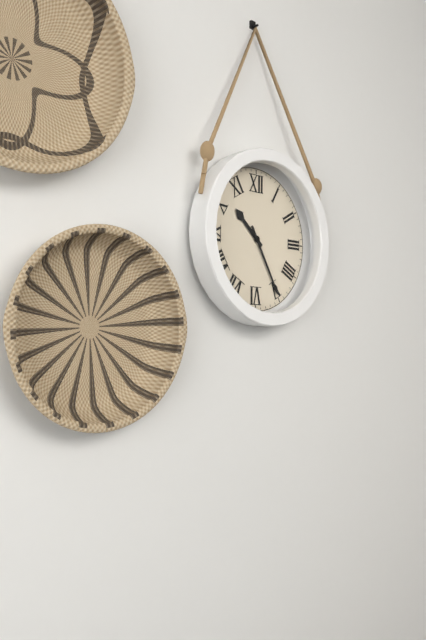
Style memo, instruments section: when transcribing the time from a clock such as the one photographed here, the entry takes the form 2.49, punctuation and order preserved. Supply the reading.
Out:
10.25
